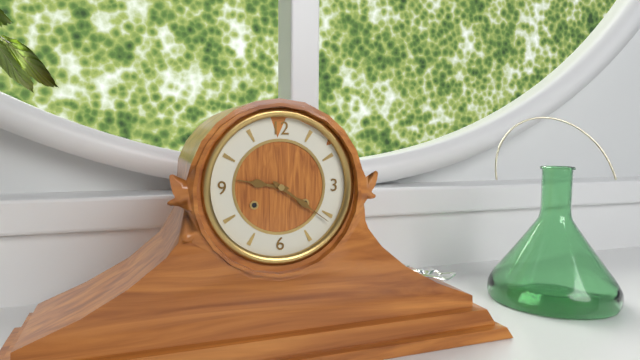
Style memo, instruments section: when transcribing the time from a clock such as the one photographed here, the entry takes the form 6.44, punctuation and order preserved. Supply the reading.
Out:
9.21
